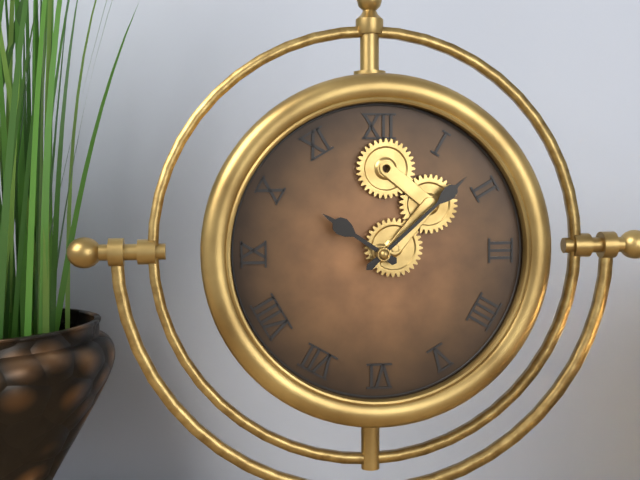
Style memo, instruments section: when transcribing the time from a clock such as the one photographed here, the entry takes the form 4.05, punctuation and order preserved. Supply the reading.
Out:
10.08
